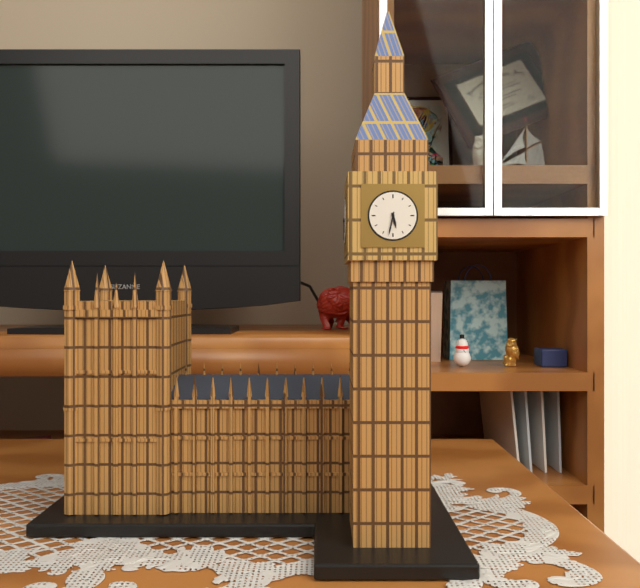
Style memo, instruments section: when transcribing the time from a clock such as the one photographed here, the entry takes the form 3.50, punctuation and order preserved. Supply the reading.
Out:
5.32
